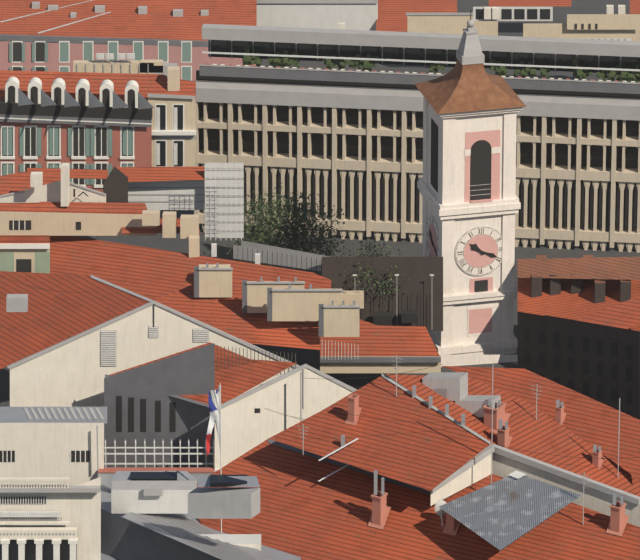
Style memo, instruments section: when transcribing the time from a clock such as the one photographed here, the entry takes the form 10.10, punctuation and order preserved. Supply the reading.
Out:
10.19
